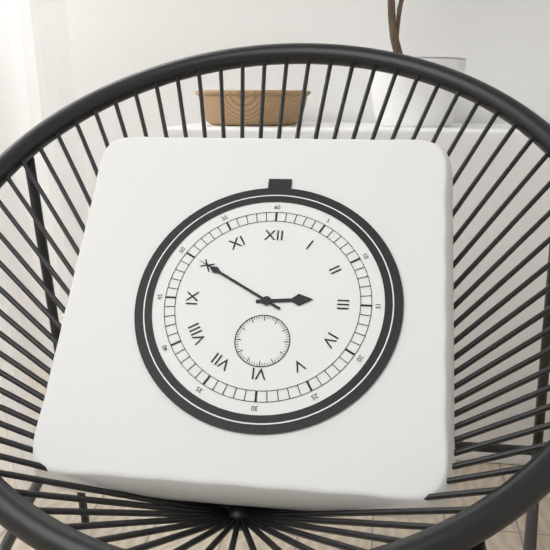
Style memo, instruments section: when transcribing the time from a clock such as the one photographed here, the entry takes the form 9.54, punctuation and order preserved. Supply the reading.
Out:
2.50
